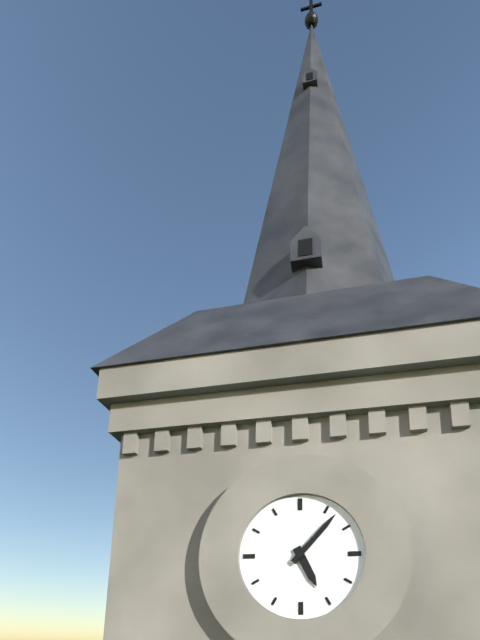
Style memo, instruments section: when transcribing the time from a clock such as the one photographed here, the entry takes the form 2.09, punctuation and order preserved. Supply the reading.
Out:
5.07
